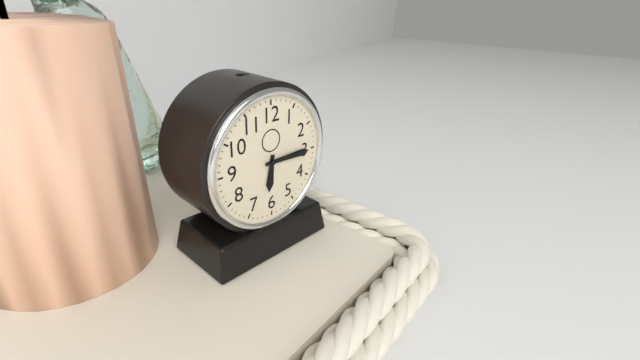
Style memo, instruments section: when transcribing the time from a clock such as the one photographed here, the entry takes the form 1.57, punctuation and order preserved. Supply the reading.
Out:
6.15
